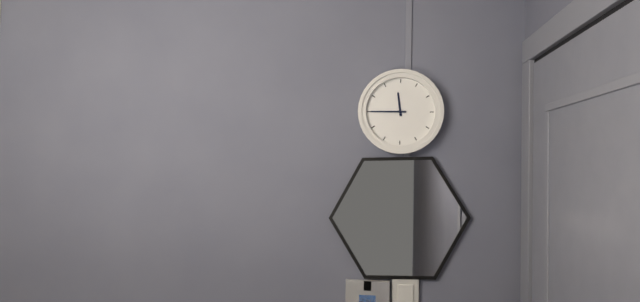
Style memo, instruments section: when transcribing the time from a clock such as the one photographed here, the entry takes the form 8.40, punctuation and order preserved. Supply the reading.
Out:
11.45
